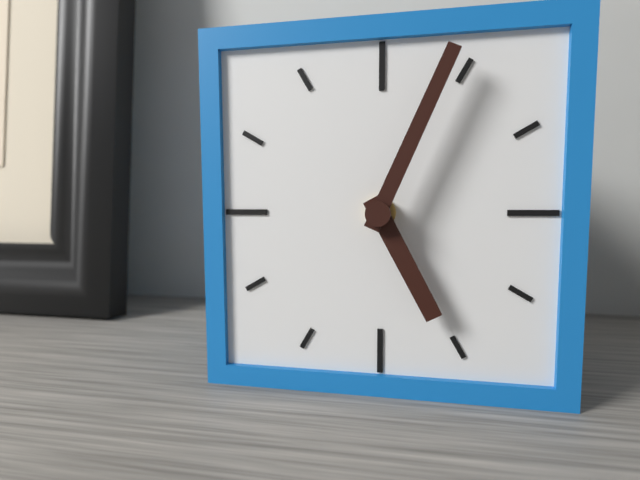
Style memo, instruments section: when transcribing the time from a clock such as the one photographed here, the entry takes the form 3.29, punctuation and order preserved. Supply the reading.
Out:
5.04
